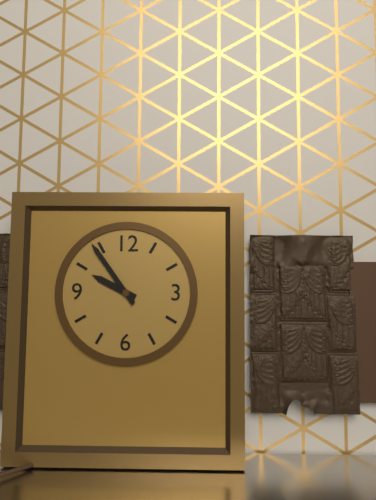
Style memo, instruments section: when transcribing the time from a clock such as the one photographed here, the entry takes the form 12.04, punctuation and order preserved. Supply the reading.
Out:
9.54
